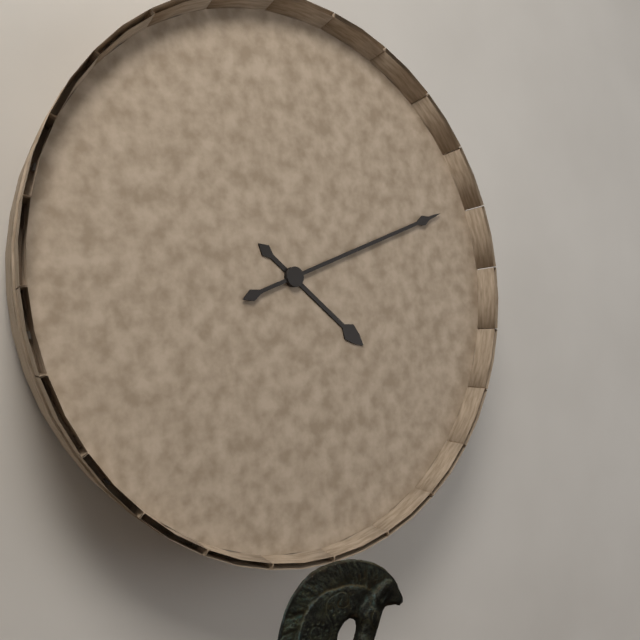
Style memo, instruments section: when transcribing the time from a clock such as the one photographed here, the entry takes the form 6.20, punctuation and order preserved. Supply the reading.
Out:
4.11
